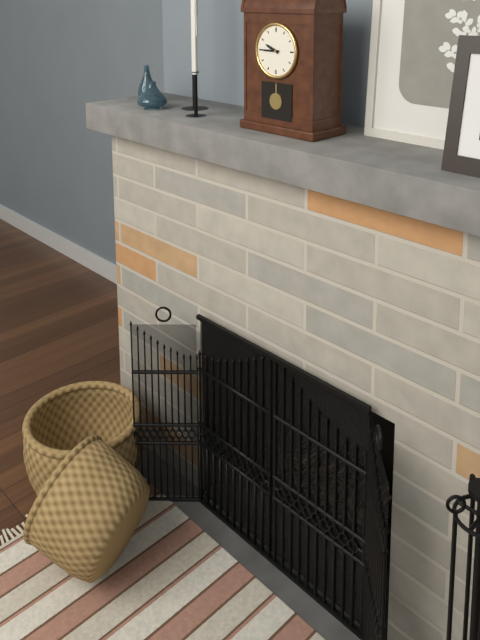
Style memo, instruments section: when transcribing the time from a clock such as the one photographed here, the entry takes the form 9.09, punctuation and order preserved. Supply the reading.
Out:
9.45
